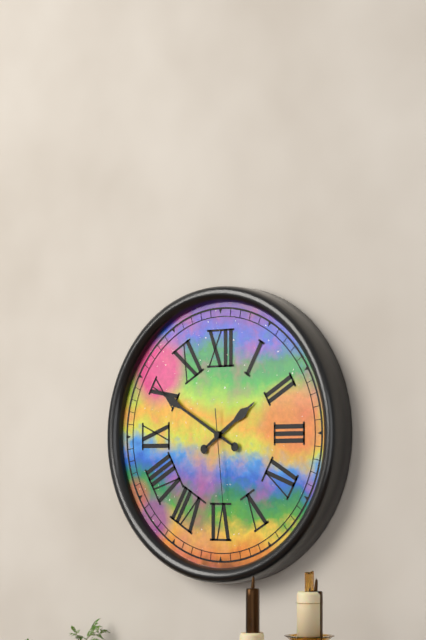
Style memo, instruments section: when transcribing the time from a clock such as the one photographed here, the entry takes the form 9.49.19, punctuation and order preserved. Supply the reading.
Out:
1.50.29
